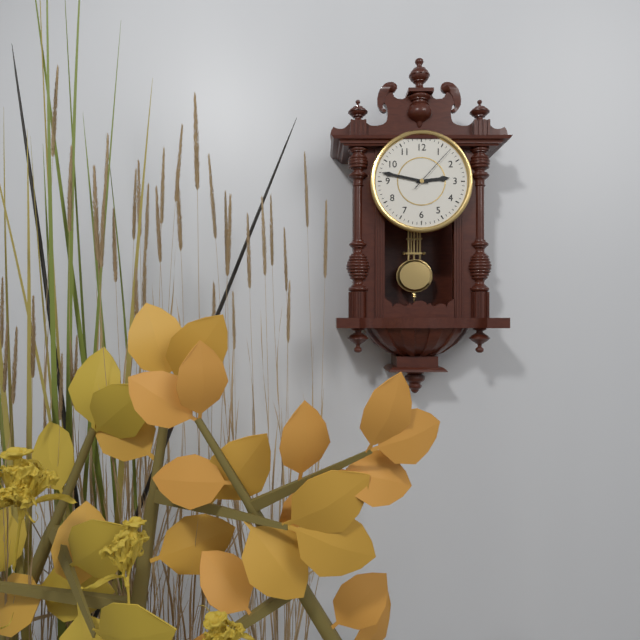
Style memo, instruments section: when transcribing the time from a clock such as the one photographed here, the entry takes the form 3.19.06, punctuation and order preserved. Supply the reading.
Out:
2.47.07
